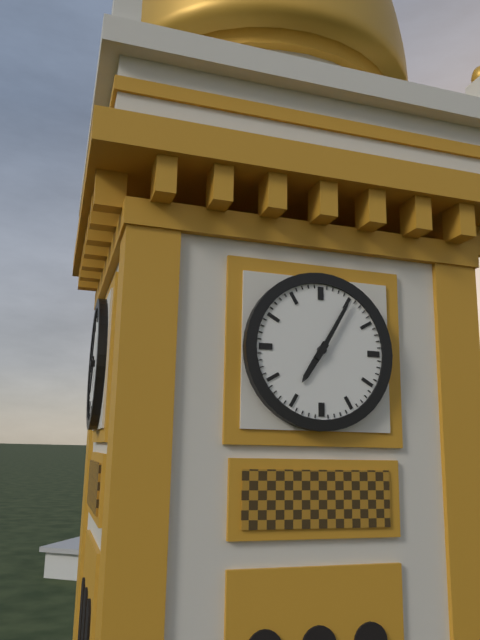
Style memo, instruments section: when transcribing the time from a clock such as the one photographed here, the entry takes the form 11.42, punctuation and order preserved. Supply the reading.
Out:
7.05
